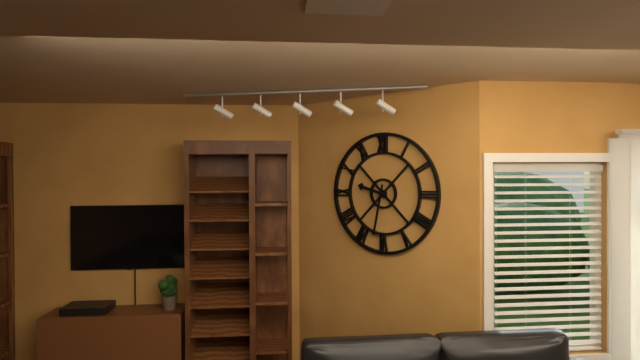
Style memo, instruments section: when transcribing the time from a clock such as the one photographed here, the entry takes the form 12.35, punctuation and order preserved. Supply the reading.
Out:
9.32
